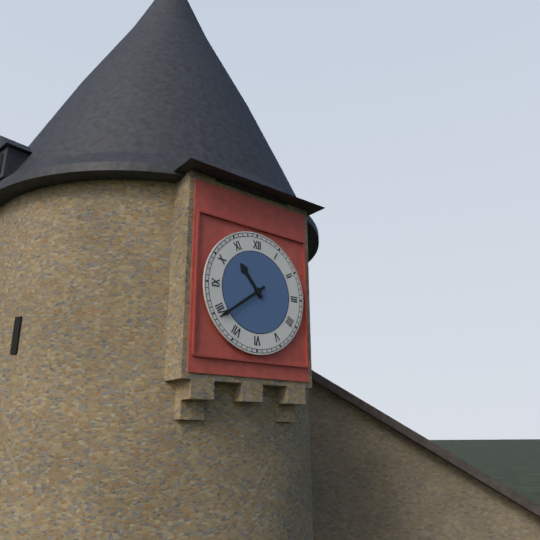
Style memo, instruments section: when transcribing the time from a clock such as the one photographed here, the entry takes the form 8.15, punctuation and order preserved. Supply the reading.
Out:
10.39
